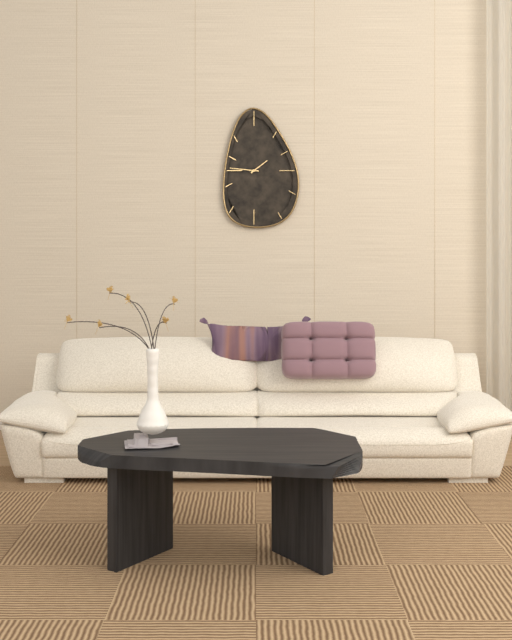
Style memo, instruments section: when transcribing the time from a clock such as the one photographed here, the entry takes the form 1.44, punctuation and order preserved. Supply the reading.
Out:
1.46
